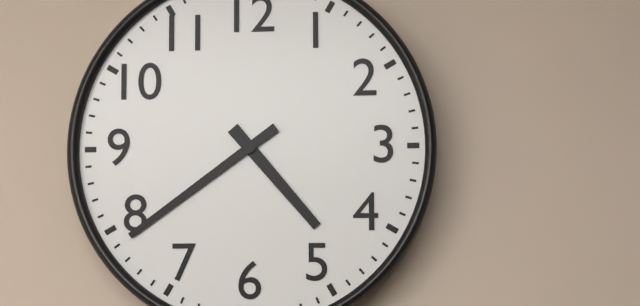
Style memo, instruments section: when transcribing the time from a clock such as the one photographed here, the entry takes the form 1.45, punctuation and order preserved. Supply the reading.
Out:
4.39
